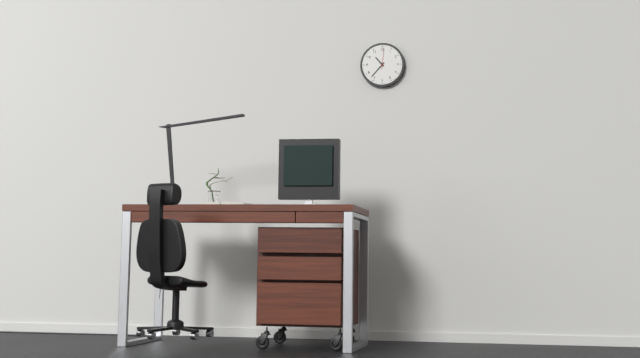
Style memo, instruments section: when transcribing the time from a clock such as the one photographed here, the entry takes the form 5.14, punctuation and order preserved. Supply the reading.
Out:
10.37
